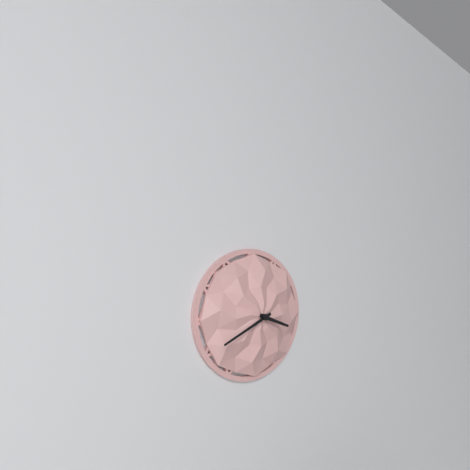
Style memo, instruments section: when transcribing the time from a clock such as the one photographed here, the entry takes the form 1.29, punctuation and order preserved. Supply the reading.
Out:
3.41
